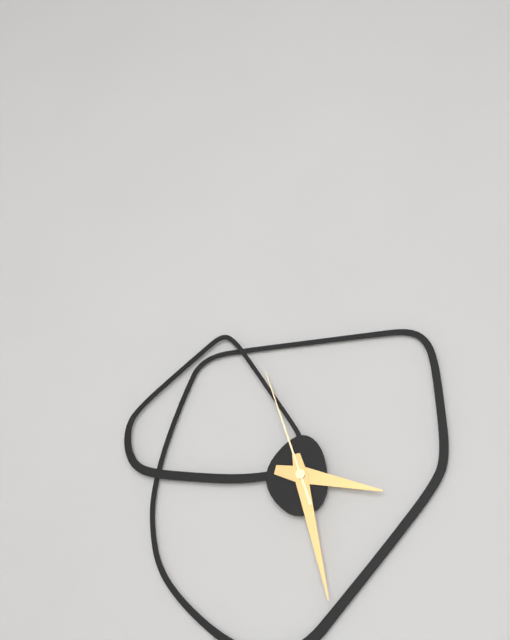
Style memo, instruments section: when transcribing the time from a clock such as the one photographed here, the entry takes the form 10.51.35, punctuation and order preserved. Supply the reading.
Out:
3.28.57
